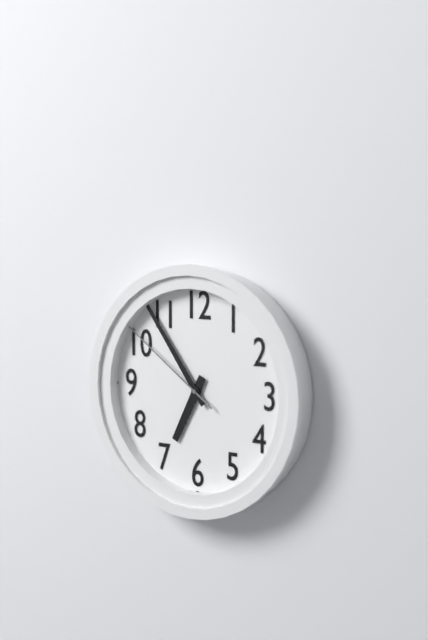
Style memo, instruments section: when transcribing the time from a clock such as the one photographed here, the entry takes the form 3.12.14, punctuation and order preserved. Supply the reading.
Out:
6.54.51
